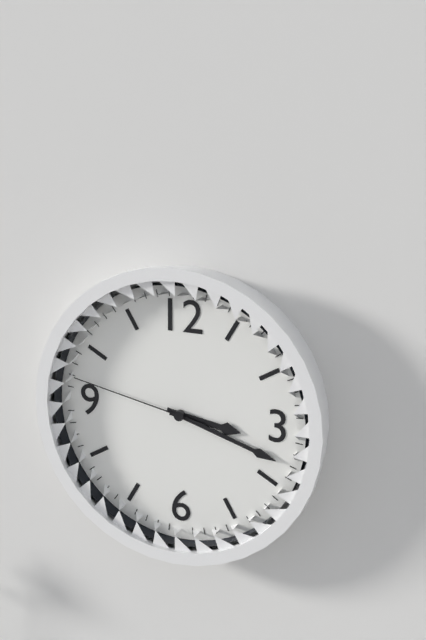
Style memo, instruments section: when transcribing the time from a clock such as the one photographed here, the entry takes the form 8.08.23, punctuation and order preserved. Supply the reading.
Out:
3.18.47
